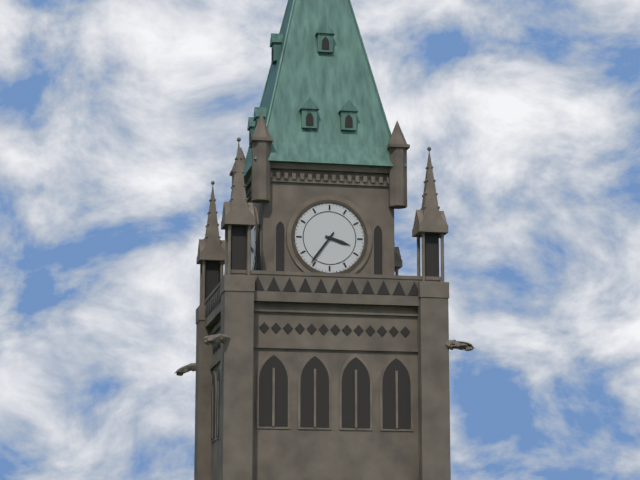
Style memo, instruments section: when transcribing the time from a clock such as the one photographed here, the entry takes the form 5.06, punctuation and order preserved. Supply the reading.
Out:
3.36
